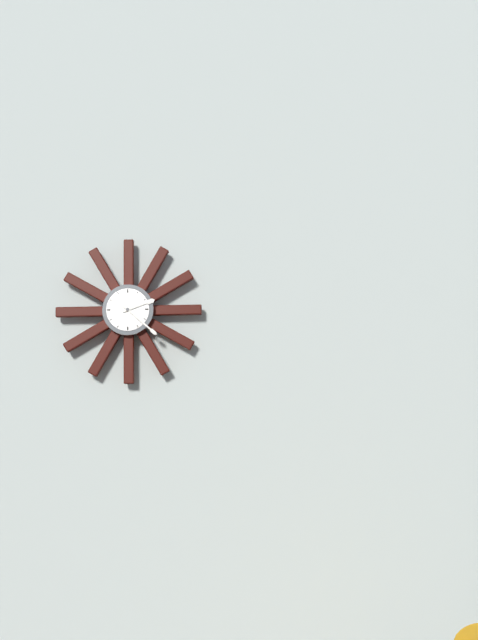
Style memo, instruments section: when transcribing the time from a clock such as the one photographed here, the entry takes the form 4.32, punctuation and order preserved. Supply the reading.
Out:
2.22
